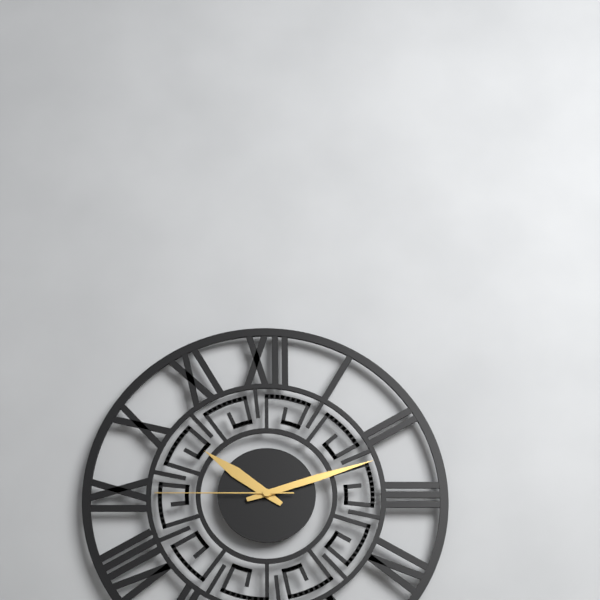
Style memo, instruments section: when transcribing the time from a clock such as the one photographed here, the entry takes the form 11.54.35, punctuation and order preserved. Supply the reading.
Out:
10.12.45
